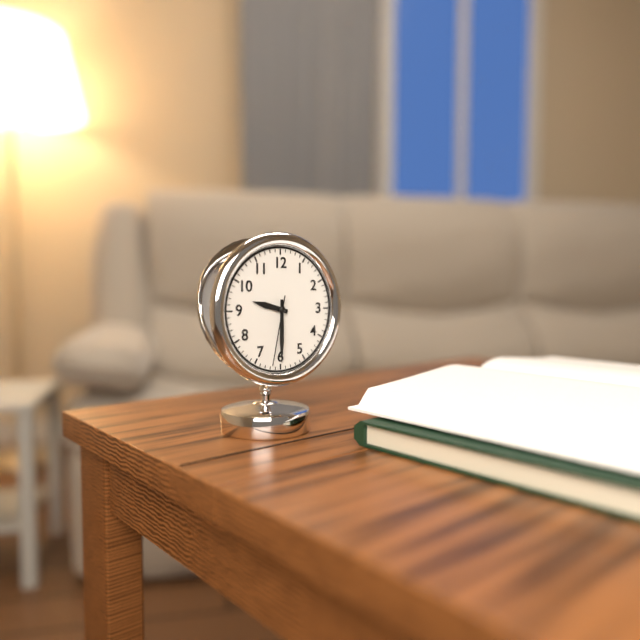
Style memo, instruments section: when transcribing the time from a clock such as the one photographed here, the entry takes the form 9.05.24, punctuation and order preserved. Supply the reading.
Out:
9.30.32
